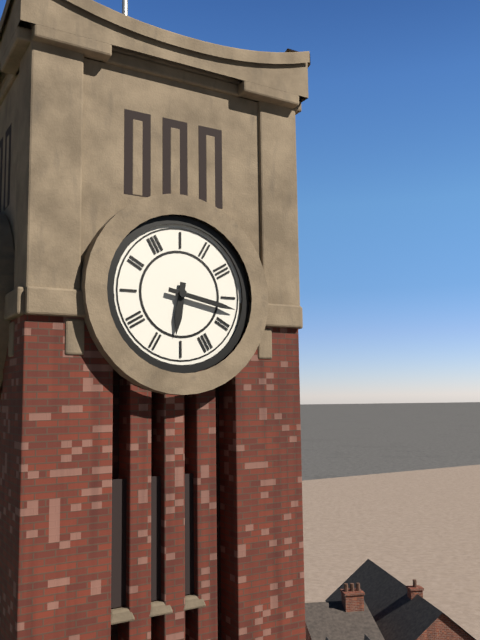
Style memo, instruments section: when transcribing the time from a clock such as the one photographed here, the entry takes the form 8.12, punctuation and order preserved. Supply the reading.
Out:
6.17
